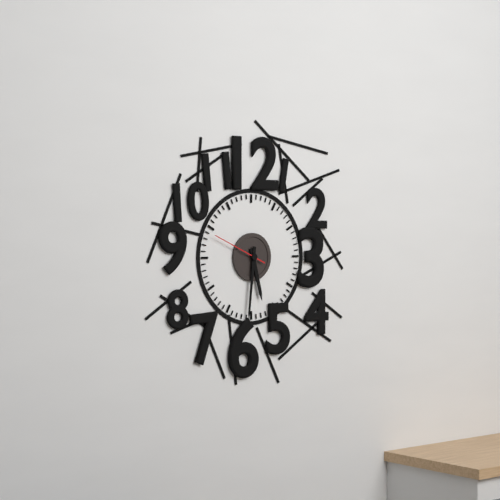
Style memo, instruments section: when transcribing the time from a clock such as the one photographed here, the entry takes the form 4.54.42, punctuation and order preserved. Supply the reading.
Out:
5.31.49
